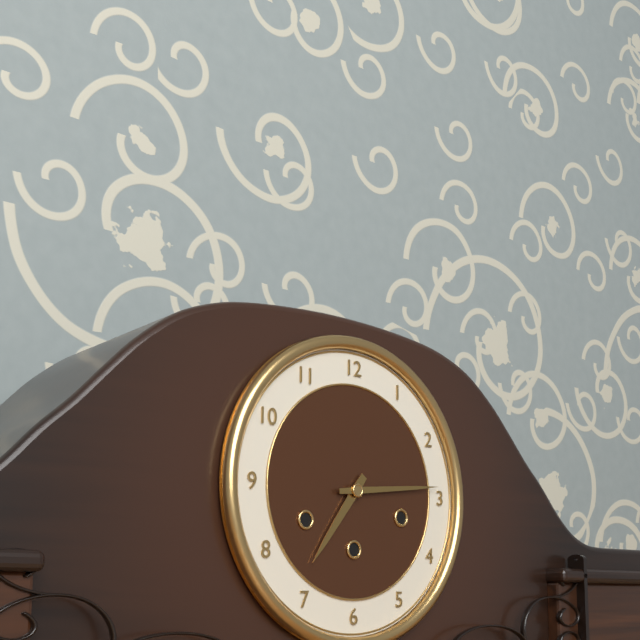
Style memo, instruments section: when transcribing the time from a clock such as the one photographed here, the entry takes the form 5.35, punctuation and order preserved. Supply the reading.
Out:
7.14
